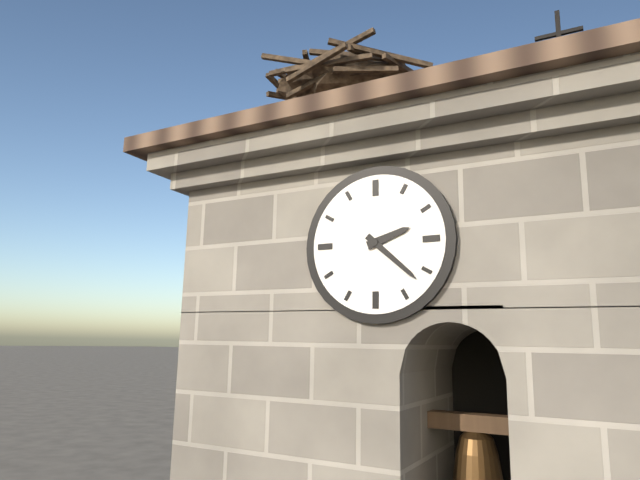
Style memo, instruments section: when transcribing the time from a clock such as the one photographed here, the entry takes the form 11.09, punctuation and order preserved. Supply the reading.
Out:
2.22
